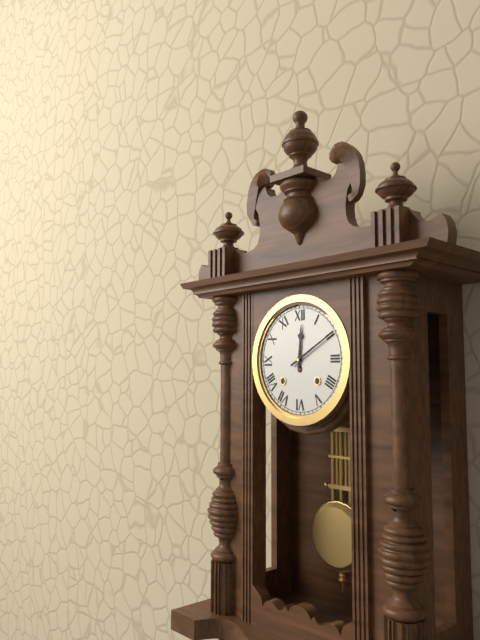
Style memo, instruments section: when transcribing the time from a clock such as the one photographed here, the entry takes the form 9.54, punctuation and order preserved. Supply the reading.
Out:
12.10
